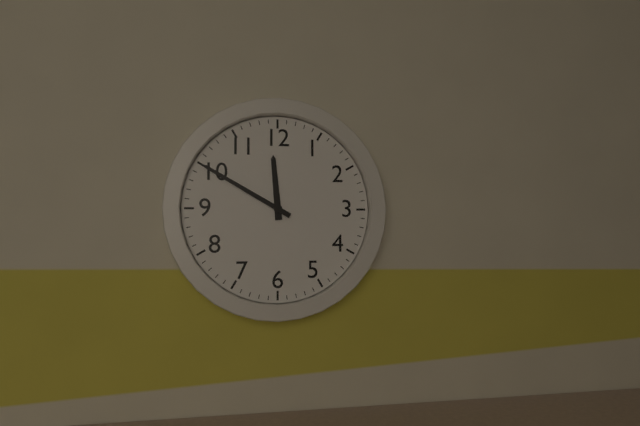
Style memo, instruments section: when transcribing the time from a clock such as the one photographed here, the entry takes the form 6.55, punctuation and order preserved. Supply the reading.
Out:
11.50
